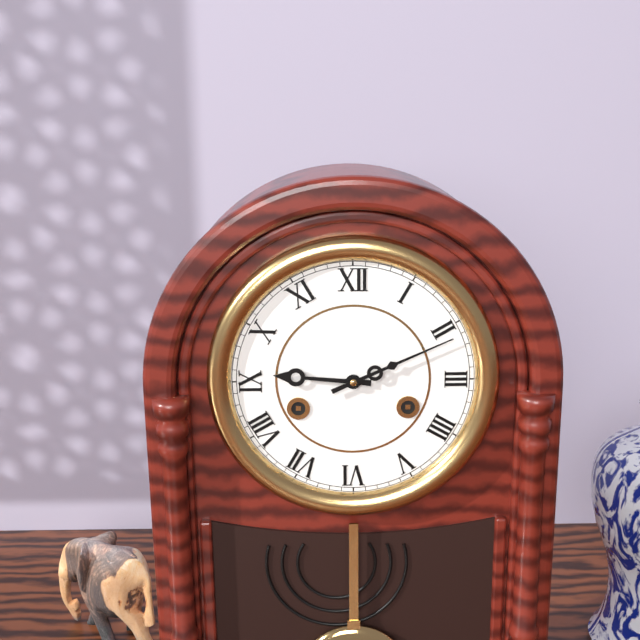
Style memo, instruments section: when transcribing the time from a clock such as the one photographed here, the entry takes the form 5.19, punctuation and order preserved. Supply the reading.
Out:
9.11
